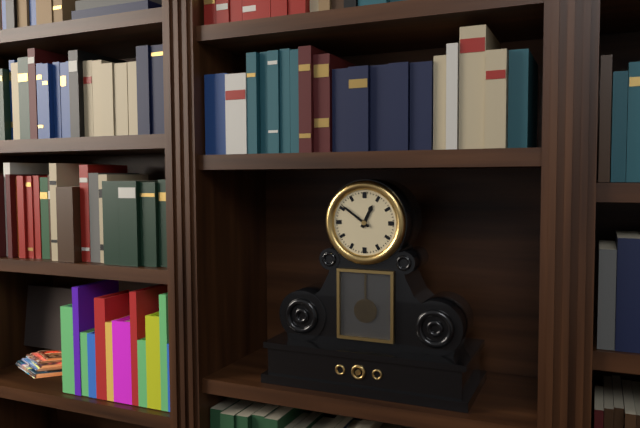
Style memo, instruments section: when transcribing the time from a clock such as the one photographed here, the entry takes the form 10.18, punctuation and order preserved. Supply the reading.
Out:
12.51
